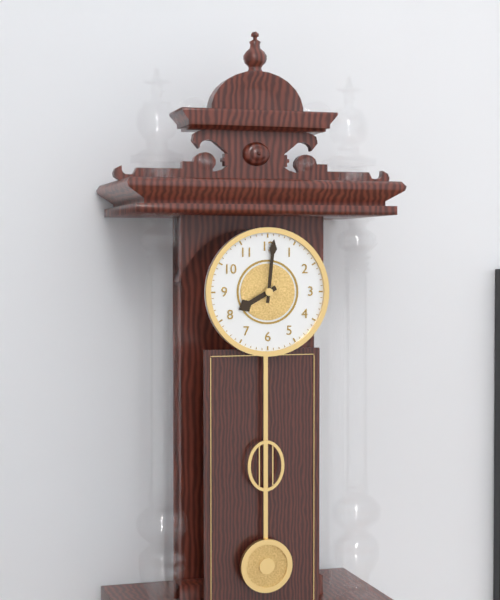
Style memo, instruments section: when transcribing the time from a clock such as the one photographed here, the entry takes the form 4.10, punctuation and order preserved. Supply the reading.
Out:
8.01
